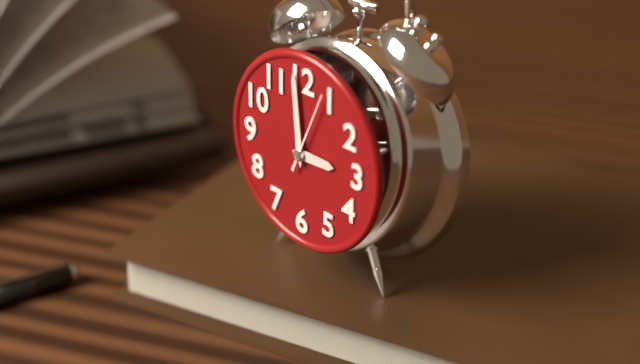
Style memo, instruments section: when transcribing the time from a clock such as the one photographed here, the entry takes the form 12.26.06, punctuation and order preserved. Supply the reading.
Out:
2.59.04
